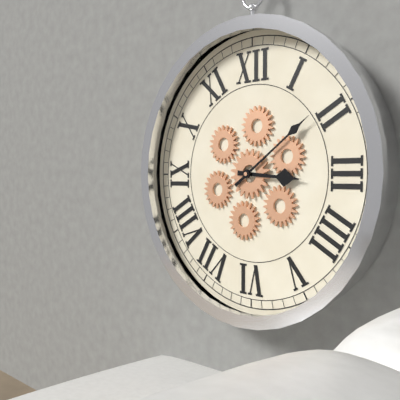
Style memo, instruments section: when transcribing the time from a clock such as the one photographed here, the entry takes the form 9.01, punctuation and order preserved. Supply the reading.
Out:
3.09
